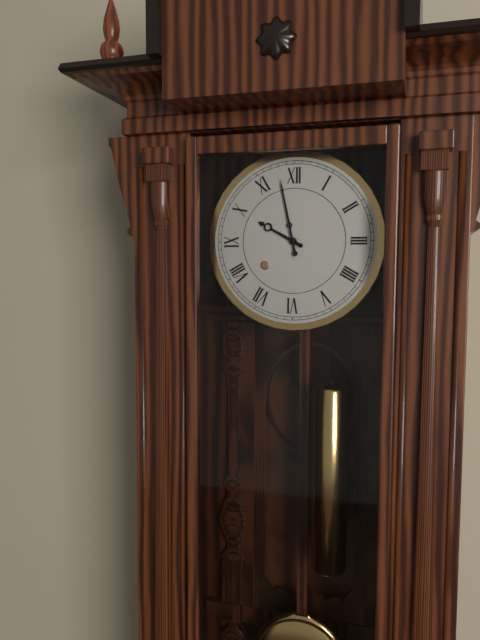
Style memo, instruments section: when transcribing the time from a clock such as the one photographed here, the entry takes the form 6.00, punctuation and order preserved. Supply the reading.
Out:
9.58
